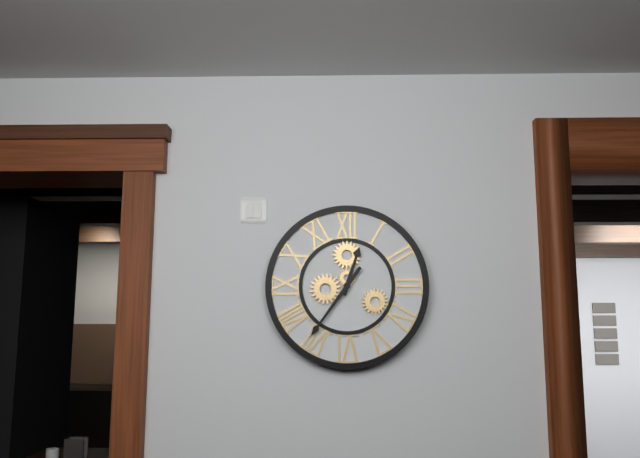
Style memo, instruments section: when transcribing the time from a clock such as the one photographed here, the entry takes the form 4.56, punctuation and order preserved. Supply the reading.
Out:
12.36
